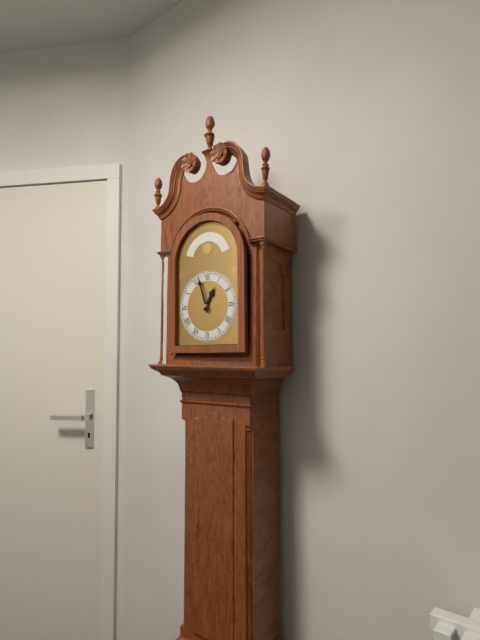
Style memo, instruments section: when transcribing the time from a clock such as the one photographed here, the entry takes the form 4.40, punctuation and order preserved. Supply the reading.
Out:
12.57
